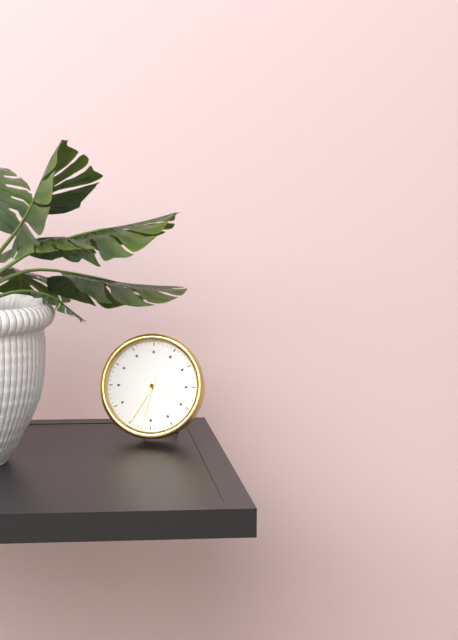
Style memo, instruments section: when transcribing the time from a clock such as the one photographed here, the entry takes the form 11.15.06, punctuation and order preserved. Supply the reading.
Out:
3.35.32
